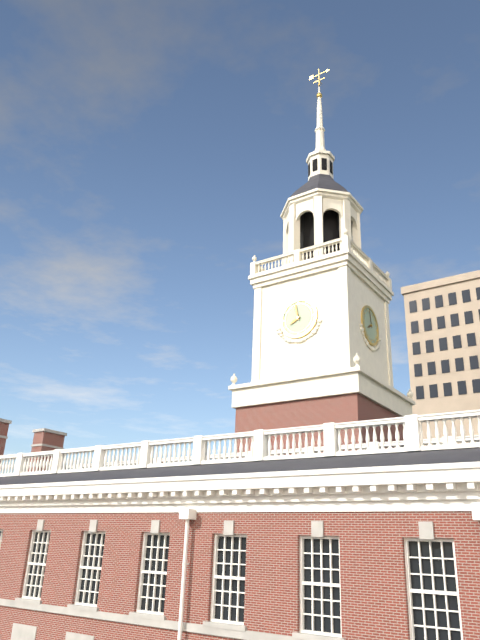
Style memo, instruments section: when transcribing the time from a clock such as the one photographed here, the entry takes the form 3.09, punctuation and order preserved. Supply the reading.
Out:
7.58
